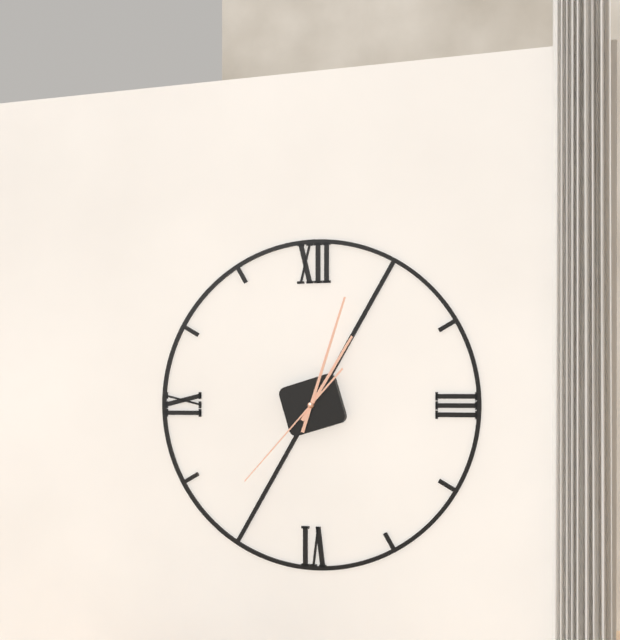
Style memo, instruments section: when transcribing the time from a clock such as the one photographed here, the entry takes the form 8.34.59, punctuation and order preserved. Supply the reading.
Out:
1.03.37
